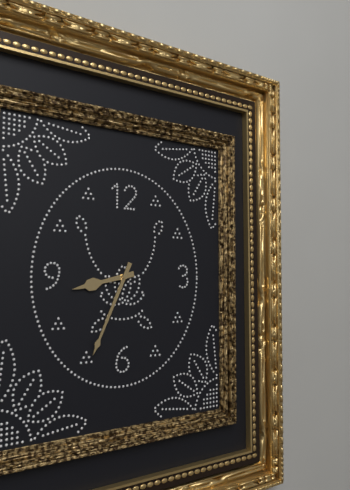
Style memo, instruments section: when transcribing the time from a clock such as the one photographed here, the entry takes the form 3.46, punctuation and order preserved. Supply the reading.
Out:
8.34
